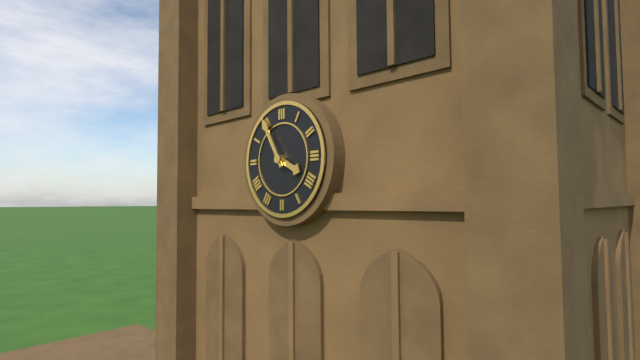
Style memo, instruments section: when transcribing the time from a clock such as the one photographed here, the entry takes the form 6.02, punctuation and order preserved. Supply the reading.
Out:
3.55
